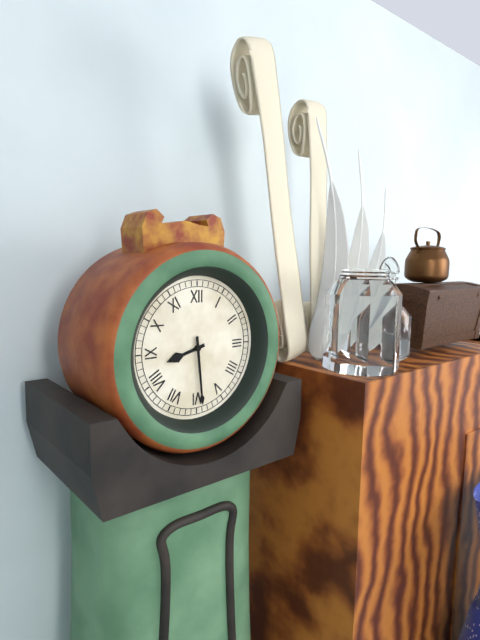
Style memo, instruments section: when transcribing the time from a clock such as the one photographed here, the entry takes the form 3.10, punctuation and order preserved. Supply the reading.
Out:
8.29
